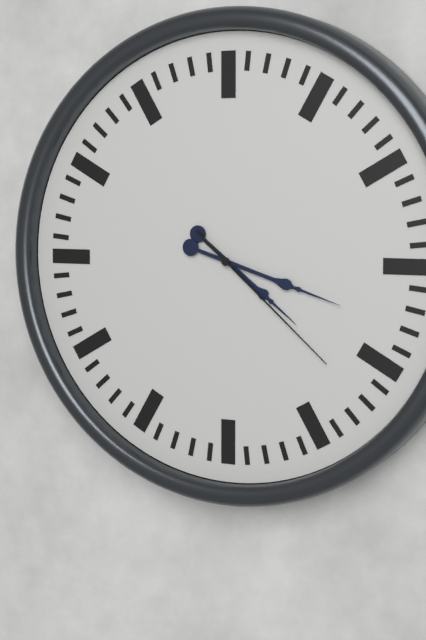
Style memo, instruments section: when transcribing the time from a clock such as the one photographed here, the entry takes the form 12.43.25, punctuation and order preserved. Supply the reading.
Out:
4.18.22
